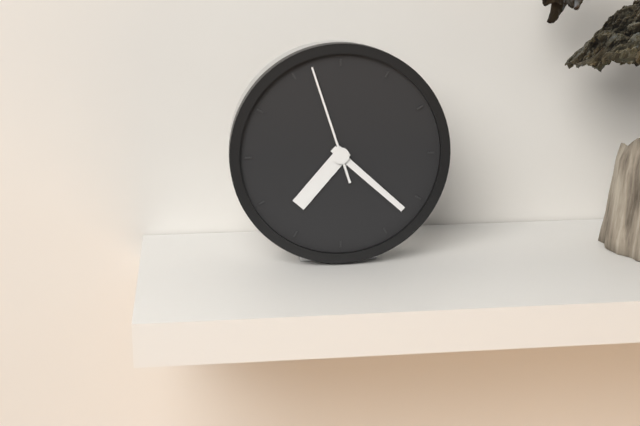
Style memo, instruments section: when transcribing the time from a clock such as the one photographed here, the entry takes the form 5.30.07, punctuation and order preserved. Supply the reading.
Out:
7.22.57
